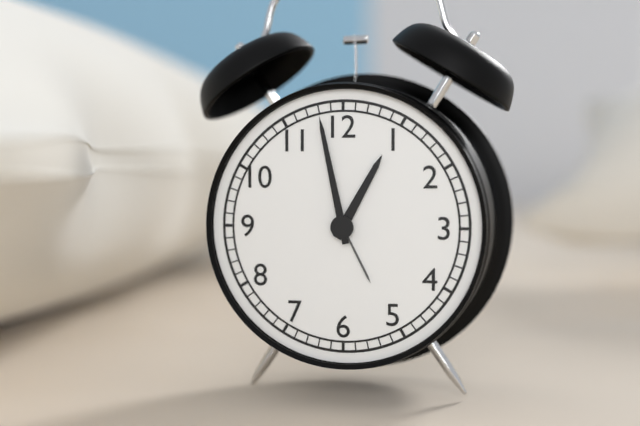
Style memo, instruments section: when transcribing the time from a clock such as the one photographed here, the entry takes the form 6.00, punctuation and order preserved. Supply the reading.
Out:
12.58
